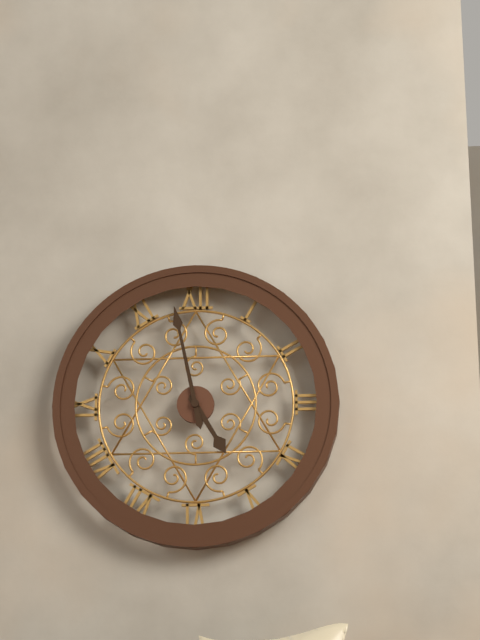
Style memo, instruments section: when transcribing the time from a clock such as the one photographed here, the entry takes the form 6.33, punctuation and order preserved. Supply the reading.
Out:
4.58
